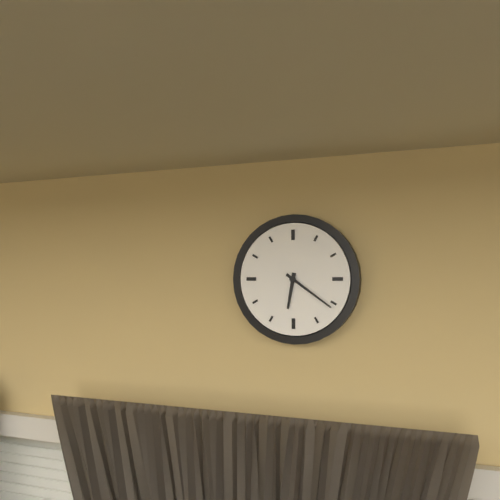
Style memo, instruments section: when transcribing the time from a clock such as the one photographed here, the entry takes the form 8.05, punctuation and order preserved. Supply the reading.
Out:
6.21
